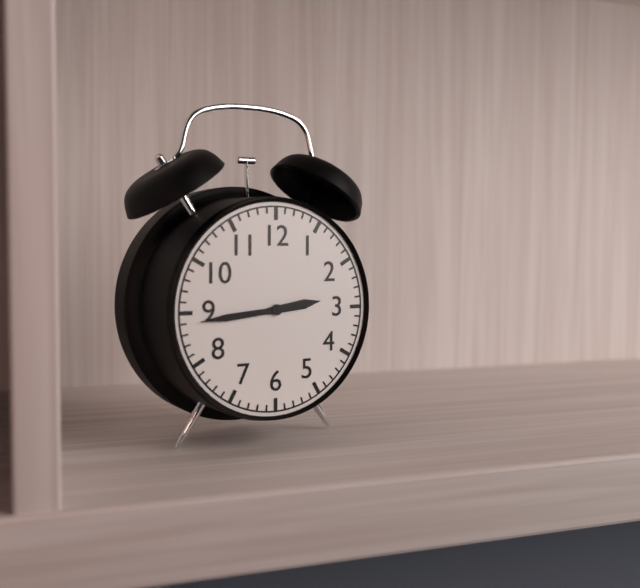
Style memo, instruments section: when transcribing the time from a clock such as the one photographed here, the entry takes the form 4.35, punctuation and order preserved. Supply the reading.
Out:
2.44
